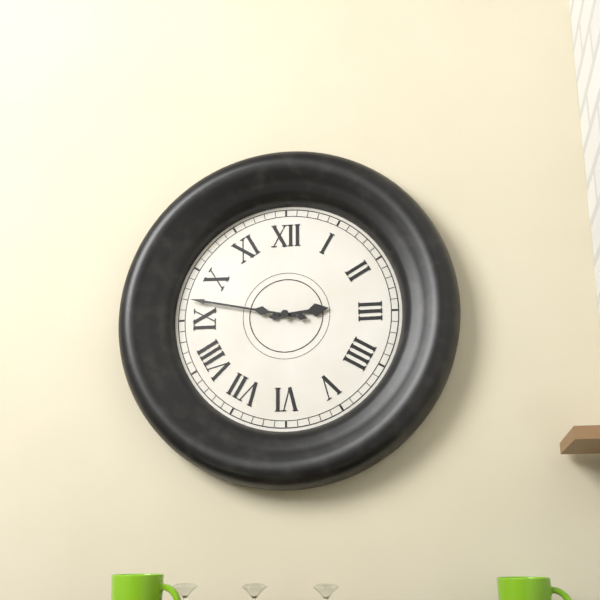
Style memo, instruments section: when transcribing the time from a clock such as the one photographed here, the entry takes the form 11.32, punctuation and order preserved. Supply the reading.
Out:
2.47
